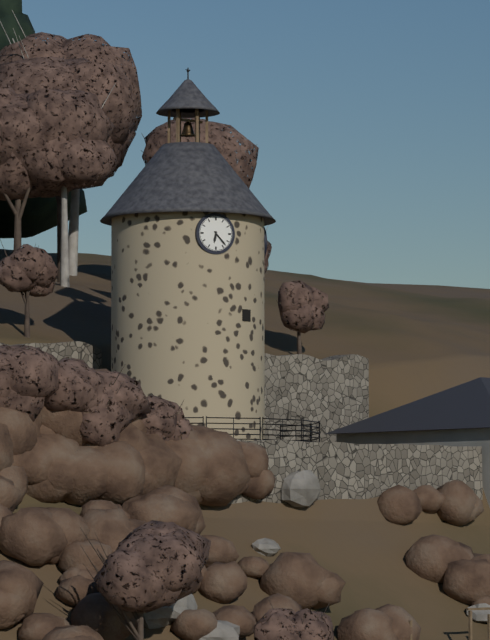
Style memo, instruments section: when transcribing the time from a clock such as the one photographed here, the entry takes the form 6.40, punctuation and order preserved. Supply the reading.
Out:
6.23
